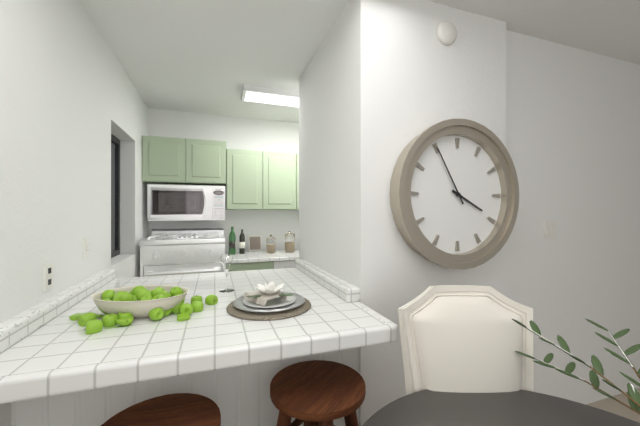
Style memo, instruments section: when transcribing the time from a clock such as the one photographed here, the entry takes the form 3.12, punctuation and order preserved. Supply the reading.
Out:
3.55
